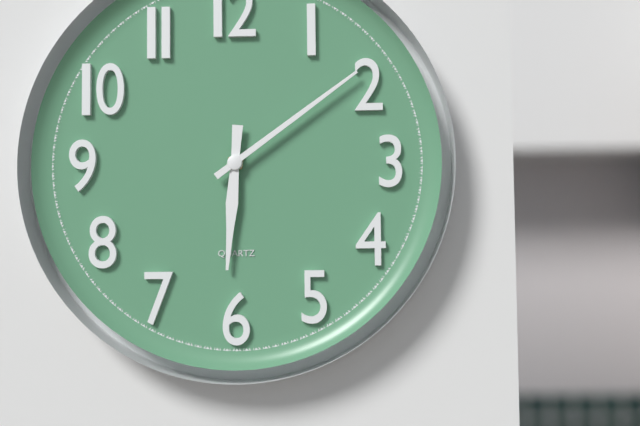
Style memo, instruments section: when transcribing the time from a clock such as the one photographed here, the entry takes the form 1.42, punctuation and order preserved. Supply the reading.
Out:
6.09
